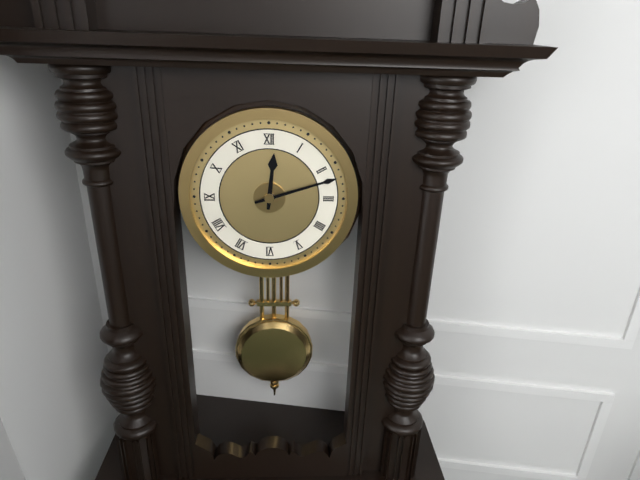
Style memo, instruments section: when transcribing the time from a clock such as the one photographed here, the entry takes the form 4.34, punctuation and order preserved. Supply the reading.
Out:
12.12
